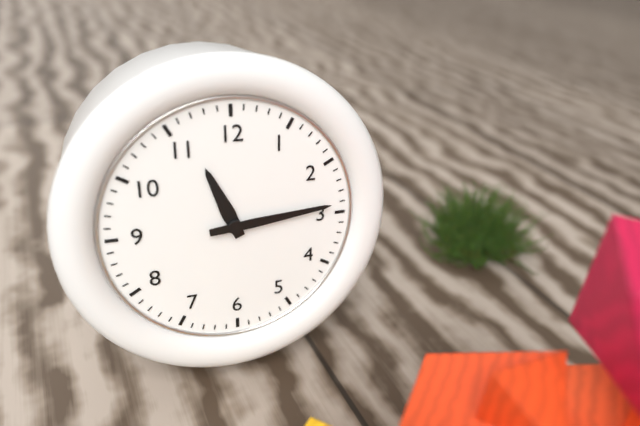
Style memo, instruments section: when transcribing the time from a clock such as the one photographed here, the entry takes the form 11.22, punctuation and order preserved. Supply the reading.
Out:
11.14
